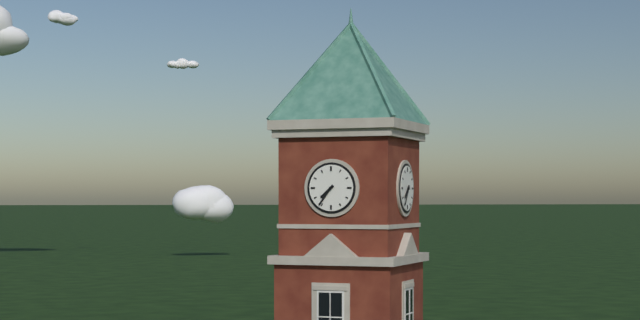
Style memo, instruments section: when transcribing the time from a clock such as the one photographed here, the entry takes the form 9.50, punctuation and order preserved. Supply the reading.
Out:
7.36
